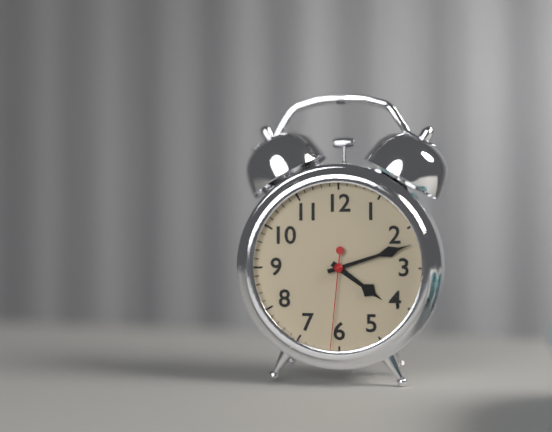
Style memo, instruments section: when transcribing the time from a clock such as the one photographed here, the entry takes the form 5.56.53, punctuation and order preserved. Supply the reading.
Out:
4.12.31
